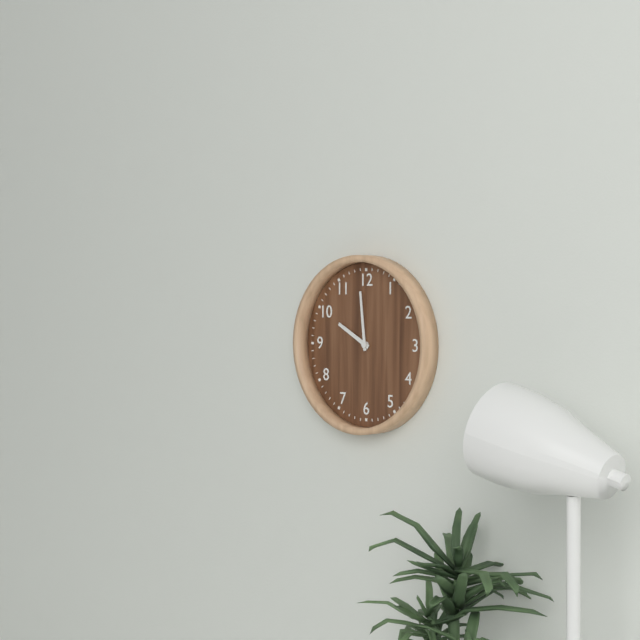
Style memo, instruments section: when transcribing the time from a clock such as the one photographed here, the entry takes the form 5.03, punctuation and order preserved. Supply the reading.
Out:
9.59
